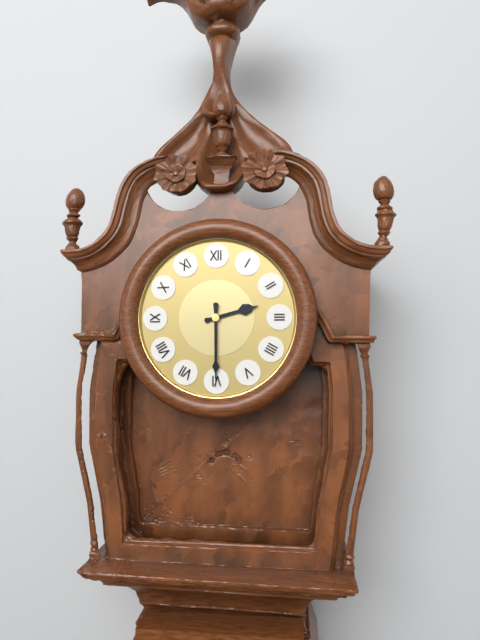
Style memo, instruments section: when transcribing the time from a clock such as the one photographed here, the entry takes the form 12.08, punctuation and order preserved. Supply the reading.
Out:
2.30
